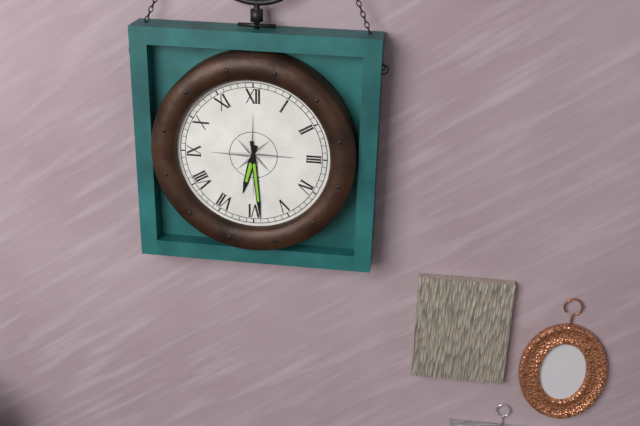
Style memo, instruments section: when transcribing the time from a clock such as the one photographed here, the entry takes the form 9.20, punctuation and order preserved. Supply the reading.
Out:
6.29
